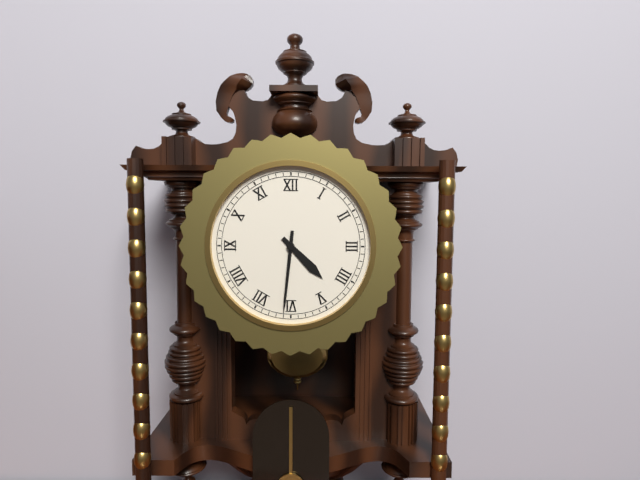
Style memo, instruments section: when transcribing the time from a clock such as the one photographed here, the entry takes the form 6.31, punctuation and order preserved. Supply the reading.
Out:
4.31
